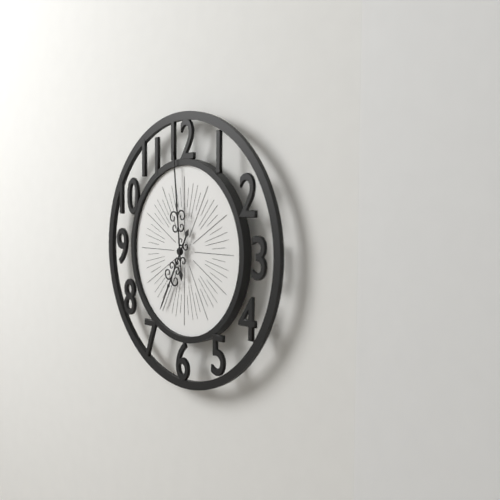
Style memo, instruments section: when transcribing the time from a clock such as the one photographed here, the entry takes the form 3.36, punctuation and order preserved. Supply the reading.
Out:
6.59
